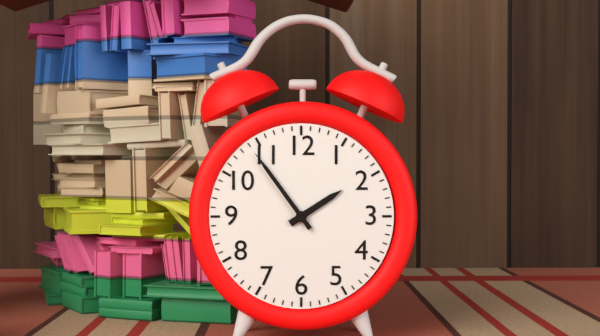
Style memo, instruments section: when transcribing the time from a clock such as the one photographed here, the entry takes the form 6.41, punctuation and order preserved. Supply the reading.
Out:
1.54
